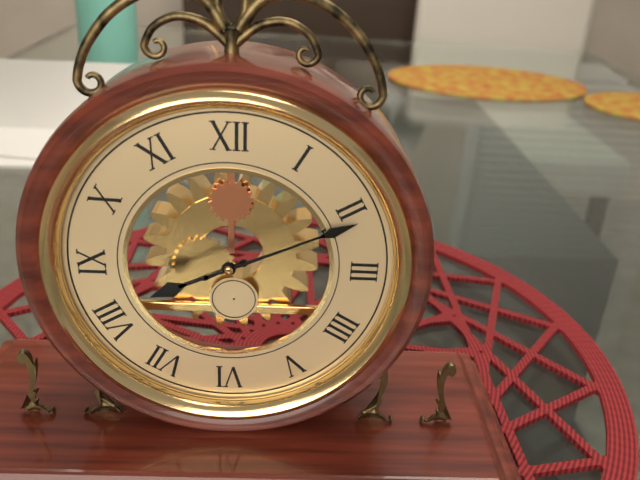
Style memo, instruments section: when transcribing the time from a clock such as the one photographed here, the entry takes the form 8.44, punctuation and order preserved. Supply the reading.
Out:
8.11
